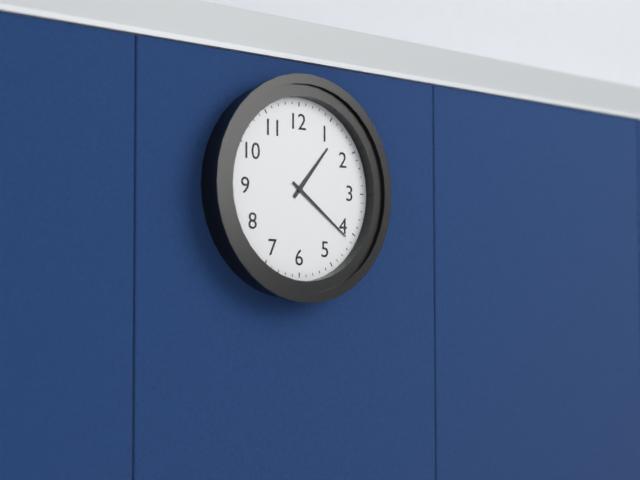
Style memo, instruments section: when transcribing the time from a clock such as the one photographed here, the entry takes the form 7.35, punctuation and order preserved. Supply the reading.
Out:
1.21
